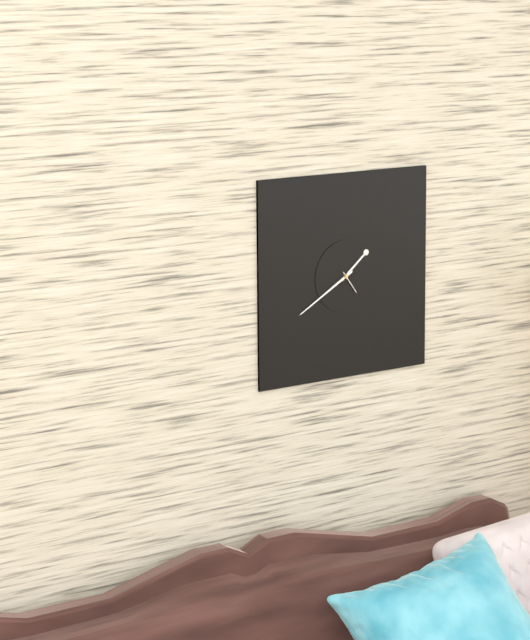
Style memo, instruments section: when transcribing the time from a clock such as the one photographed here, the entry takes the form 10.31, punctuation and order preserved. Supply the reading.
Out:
1.40
